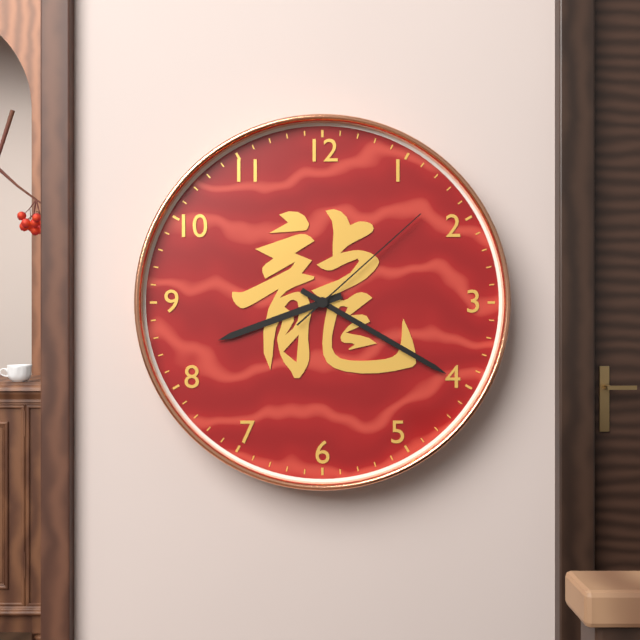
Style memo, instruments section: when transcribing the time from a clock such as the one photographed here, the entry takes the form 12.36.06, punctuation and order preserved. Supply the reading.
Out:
8.20.08
